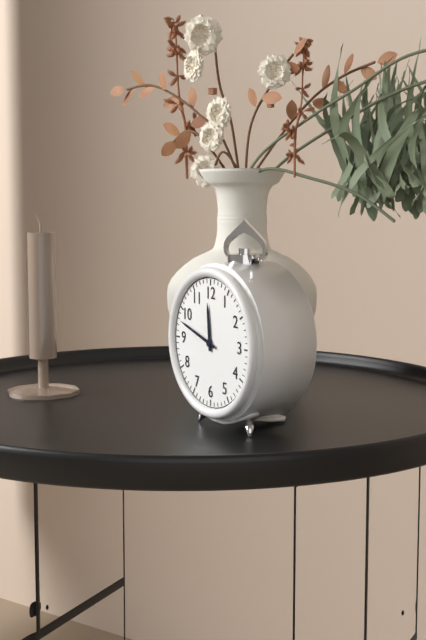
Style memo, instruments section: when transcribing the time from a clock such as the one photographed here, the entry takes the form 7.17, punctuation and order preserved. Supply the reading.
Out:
11.48
